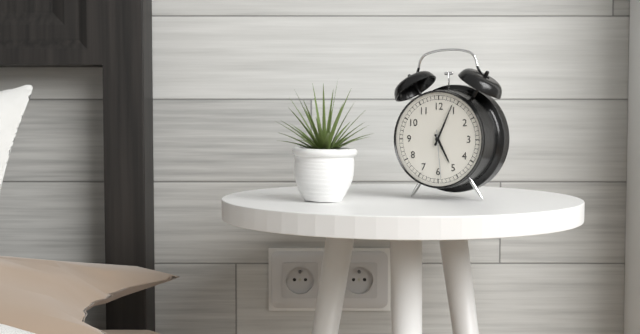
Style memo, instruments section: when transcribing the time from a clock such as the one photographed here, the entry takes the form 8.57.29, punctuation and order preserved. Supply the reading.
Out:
5.04.29
